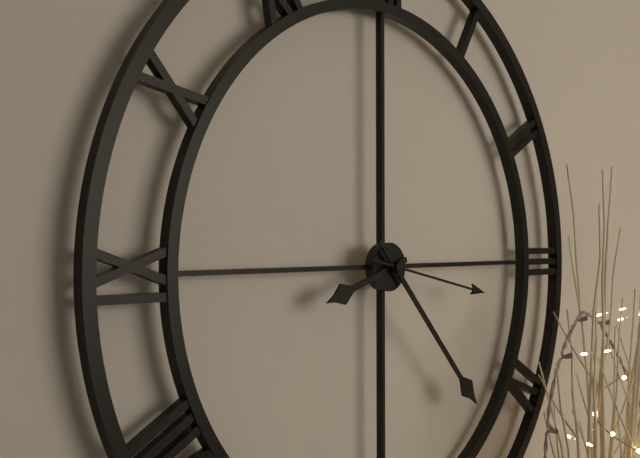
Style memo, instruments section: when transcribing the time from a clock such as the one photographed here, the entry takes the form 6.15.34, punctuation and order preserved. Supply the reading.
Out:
8.23.17
